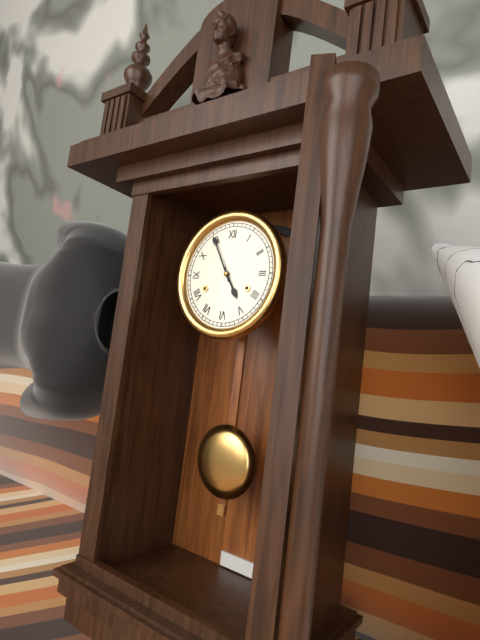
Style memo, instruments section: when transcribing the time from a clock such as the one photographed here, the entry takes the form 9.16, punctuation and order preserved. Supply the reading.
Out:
4.55
